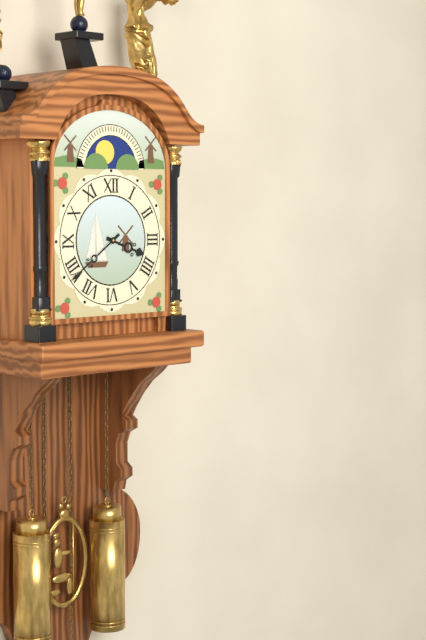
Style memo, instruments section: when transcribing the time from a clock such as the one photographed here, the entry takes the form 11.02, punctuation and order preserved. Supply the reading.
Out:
3.39
